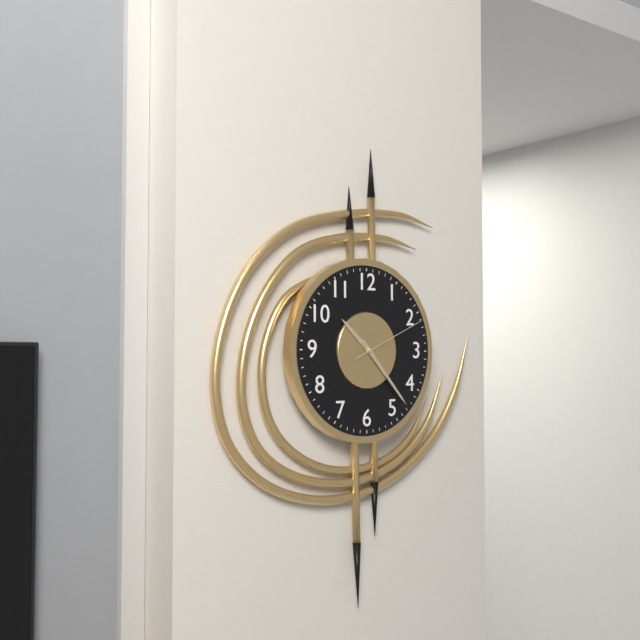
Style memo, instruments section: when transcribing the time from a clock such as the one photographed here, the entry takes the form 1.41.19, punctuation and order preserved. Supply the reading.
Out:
10.23.11
